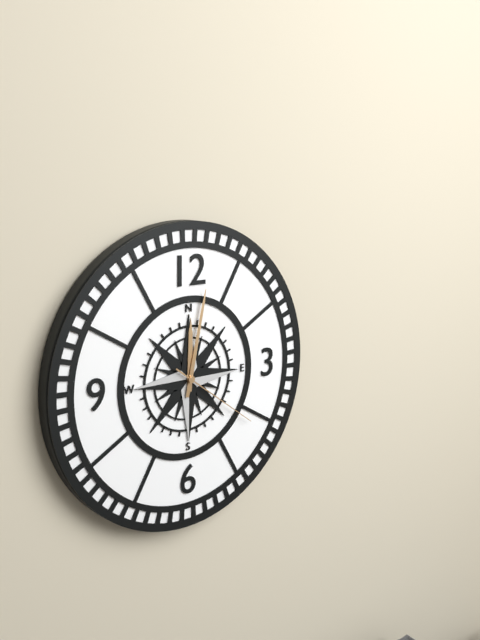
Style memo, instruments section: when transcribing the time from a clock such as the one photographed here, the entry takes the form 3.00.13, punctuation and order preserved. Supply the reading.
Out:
12.02.21
